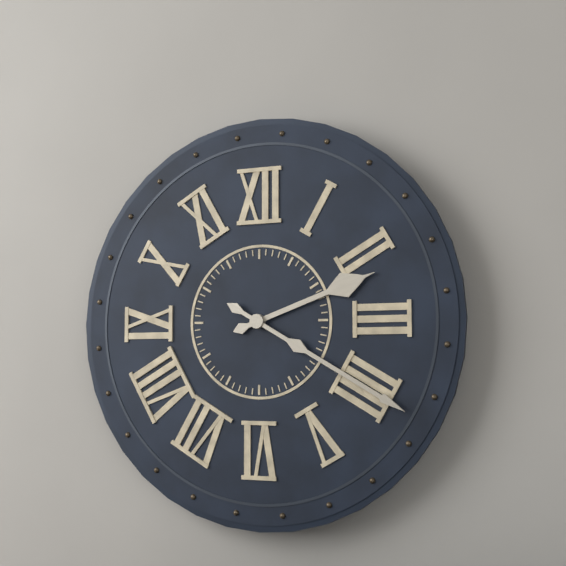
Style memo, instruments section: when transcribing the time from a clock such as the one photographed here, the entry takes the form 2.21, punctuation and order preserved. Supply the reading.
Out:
2.20
